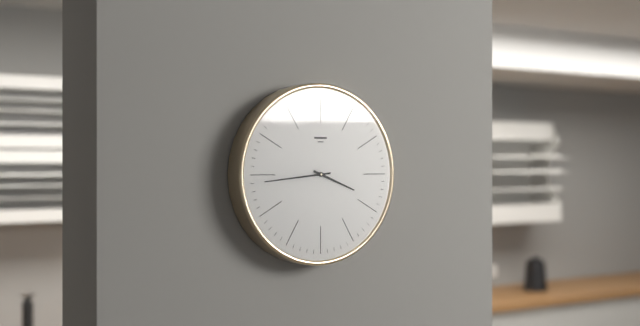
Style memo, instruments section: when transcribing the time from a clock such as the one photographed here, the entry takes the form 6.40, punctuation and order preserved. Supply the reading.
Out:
3.44
